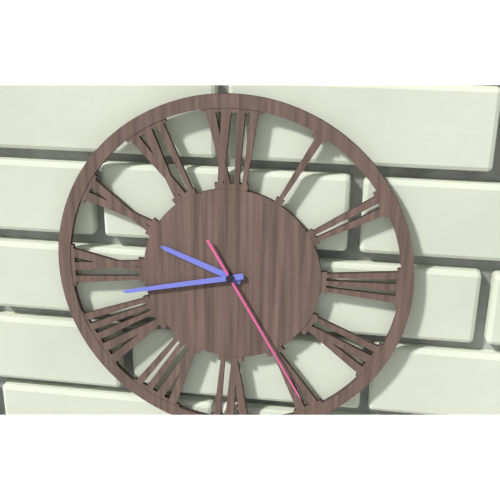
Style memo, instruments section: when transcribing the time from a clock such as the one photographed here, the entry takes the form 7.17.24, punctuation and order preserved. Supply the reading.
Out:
9.43.25
